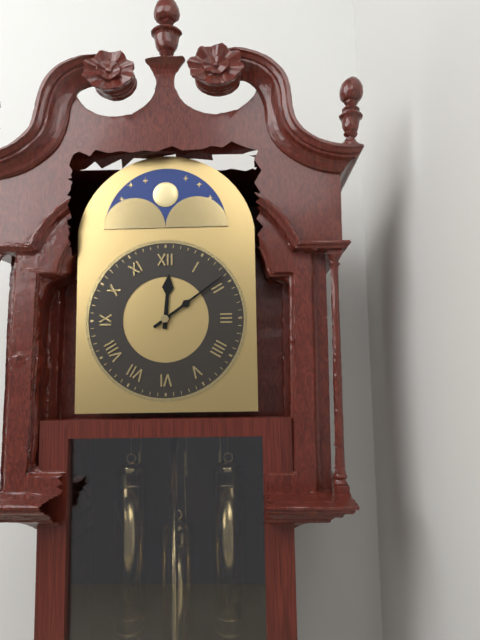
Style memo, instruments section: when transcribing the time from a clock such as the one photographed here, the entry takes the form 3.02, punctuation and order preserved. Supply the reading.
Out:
12.09
